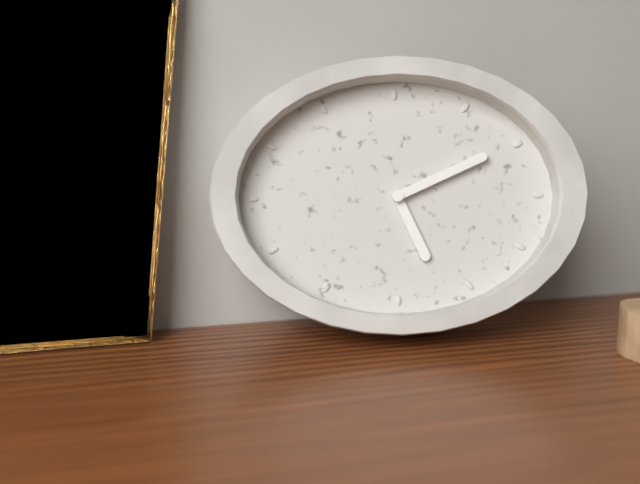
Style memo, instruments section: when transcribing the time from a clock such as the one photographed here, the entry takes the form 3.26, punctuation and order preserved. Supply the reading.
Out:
5.11
